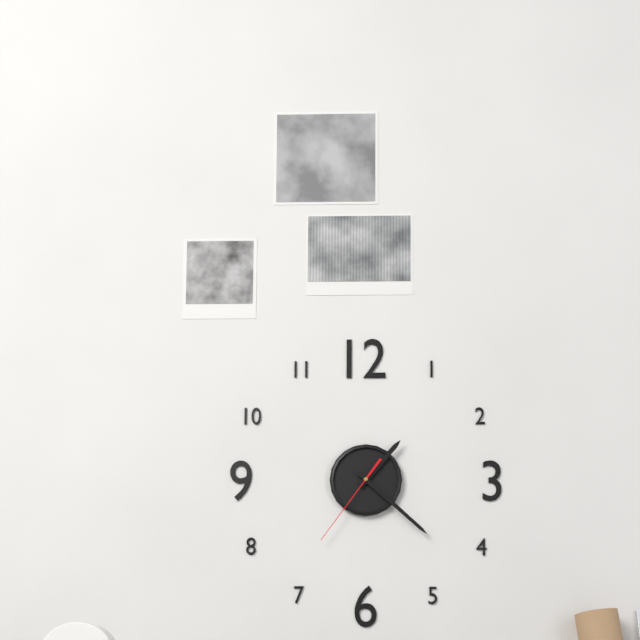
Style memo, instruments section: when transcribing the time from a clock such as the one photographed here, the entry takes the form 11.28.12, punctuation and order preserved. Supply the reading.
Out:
1.22.36
